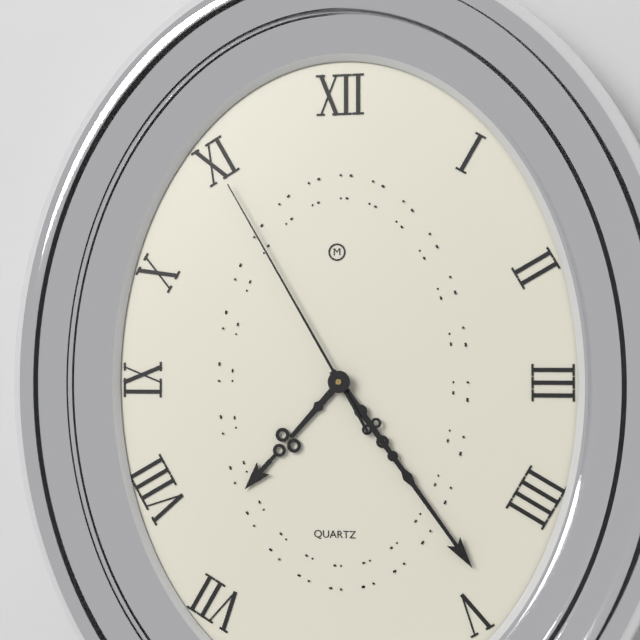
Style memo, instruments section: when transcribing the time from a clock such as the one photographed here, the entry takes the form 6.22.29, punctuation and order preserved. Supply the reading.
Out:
7.24.55
